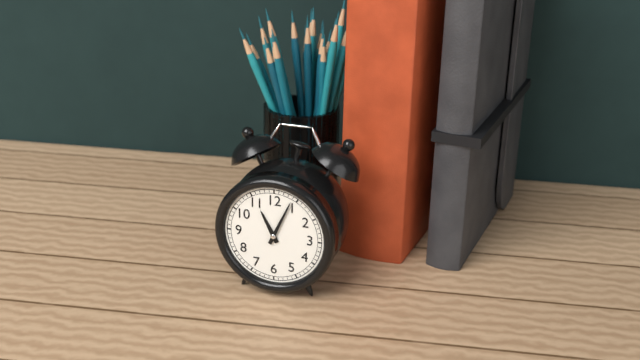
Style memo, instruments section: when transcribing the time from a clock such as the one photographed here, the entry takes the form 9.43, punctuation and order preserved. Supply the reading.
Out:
11.04
